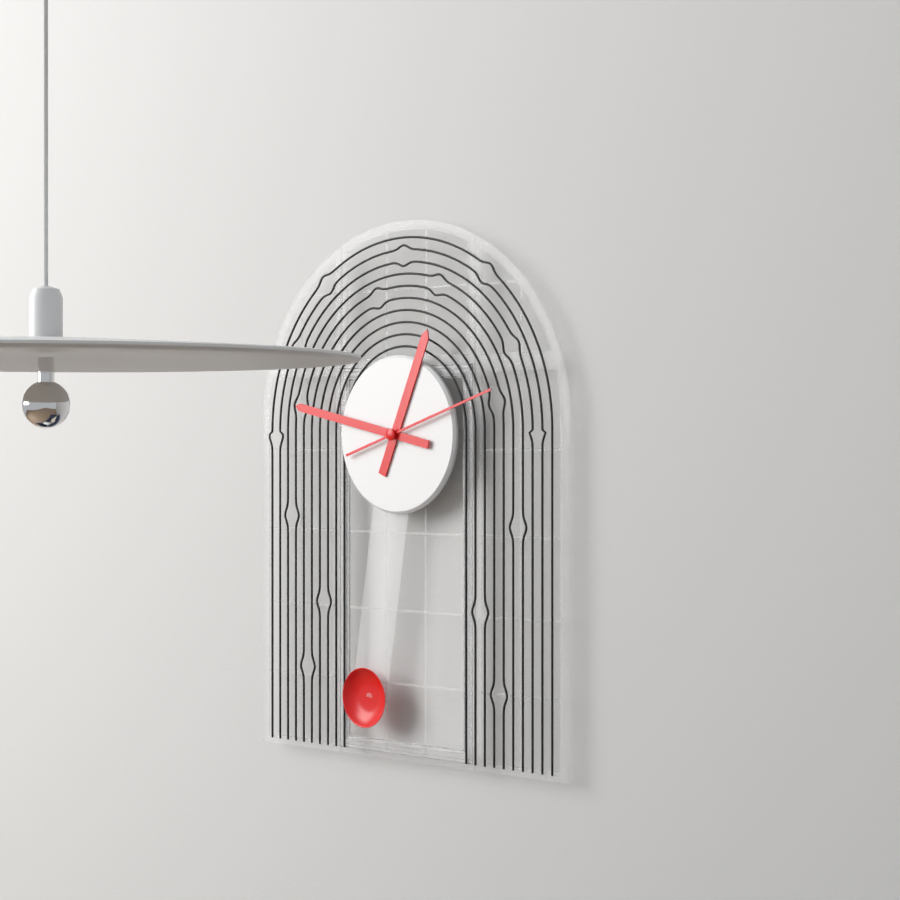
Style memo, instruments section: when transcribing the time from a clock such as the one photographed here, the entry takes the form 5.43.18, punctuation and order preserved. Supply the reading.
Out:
12.47.12
